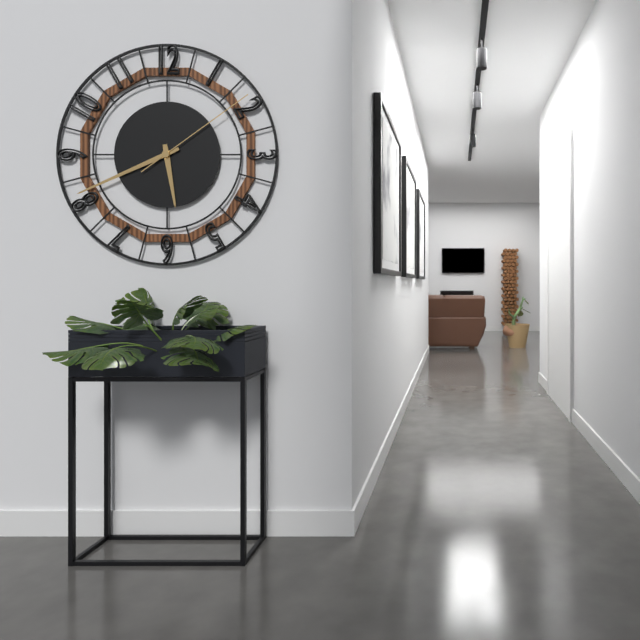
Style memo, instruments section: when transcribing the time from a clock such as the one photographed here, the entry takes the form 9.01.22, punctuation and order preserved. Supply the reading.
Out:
5.41.09
